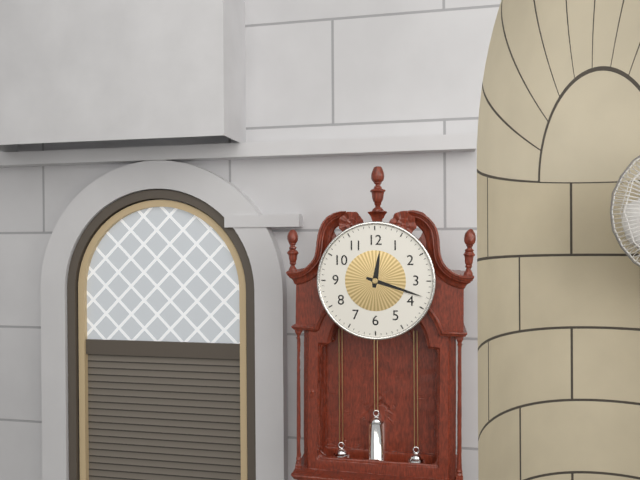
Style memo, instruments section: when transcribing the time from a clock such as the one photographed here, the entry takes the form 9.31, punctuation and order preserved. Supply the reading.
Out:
12.18
